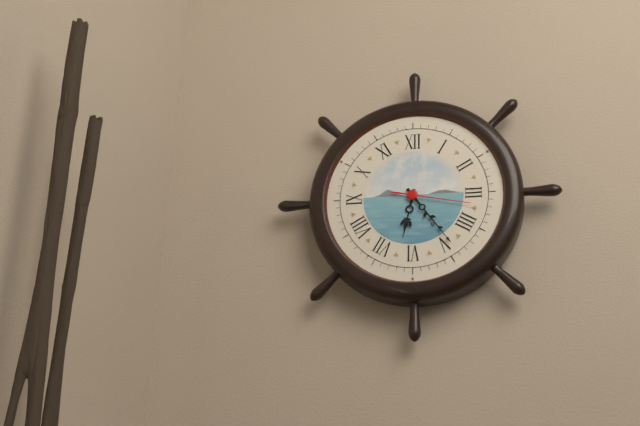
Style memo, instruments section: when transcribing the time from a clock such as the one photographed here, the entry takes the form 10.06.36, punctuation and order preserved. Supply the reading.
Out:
6.24.17
